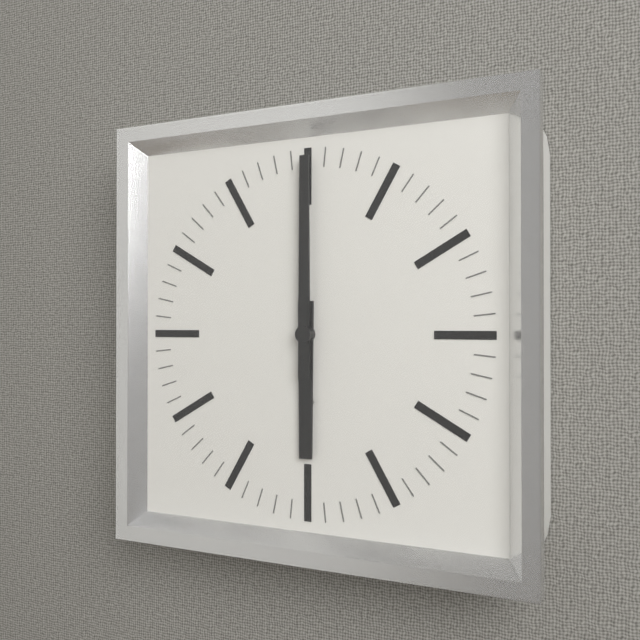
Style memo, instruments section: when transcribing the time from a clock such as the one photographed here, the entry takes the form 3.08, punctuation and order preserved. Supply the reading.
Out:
6.00
